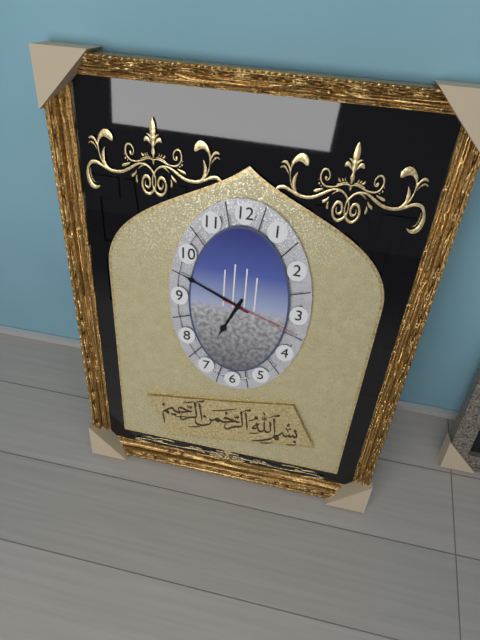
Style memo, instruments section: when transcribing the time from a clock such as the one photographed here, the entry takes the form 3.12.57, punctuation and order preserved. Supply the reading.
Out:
6.49.18
